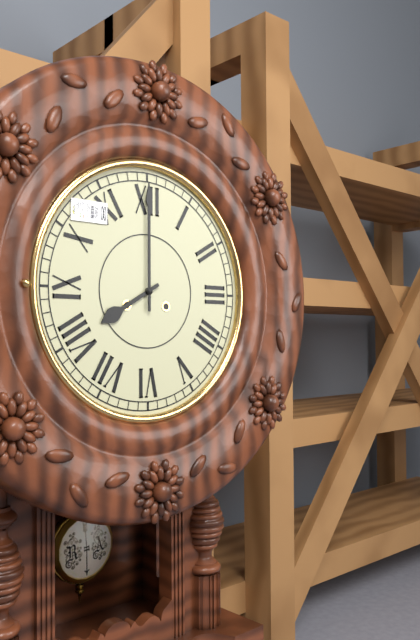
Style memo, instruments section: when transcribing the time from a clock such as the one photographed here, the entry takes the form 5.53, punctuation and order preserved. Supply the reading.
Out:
8.00
